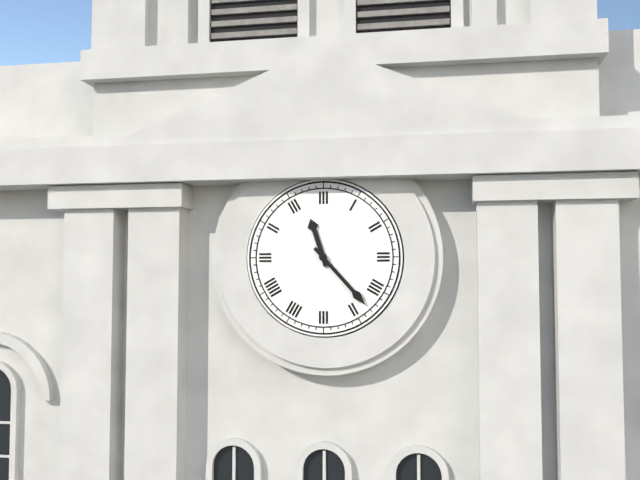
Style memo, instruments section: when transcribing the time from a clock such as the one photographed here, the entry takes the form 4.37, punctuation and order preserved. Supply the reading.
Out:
11.23
